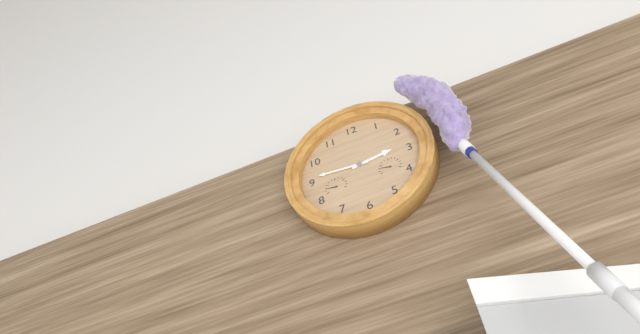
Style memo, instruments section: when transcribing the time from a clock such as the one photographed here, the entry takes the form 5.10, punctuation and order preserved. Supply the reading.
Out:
2.46
